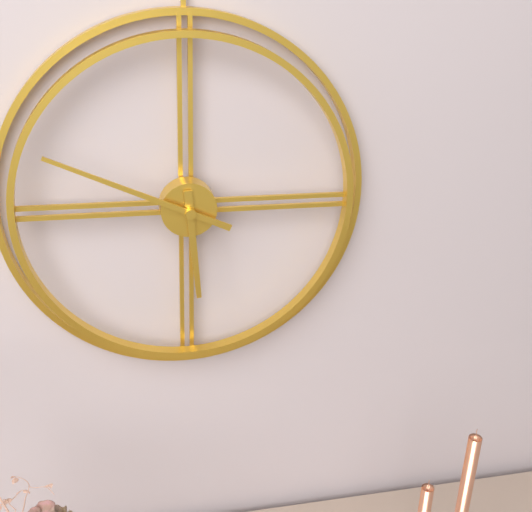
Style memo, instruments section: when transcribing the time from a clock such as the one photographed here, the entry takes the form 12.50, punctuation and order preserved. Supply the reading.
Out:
5.49
